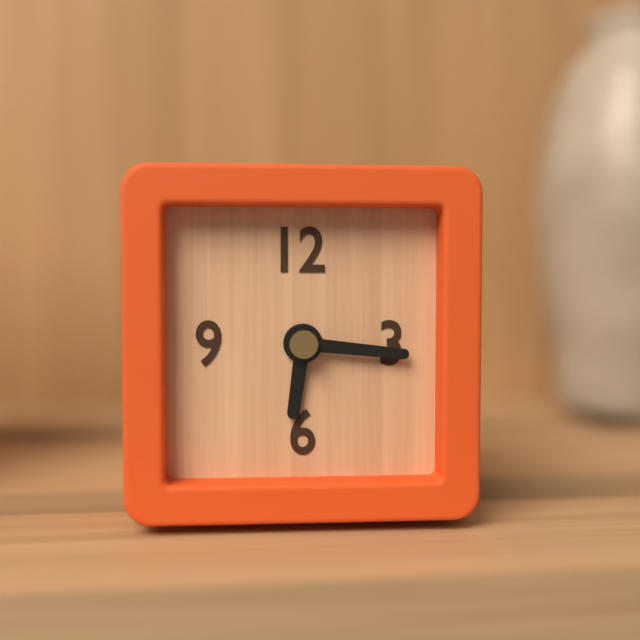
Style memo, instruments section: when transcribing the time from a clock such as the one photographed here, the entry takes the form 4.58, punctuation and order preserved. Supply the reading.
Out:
6.16
